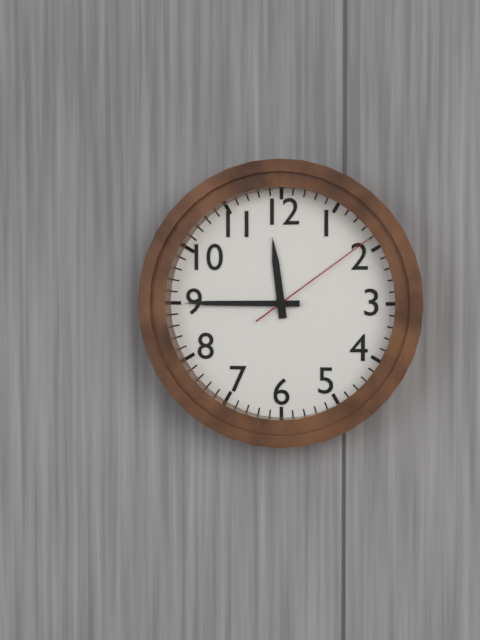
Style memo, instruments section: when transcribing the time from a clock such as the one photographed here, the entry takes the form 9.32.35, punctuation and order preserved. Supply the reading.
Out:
11.45.09
